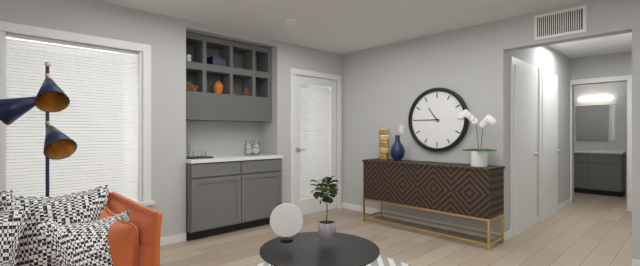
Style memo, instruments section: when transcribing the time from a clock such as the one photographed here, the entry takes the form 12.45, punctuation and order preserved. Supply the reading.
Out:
10.45
